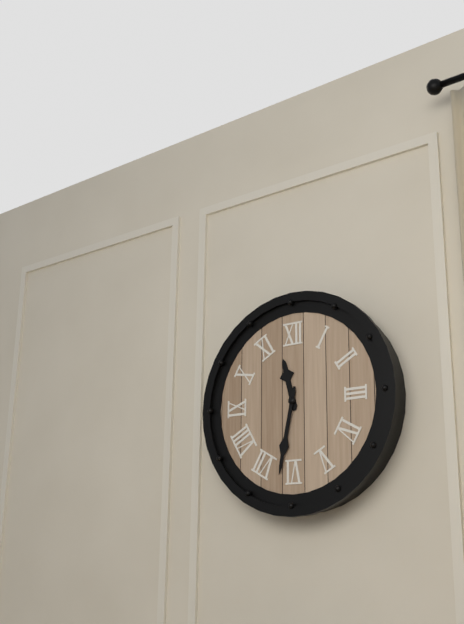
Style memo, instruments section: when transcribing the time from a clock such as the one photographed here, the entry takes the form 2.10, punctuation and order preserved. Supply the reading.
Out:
11.32
